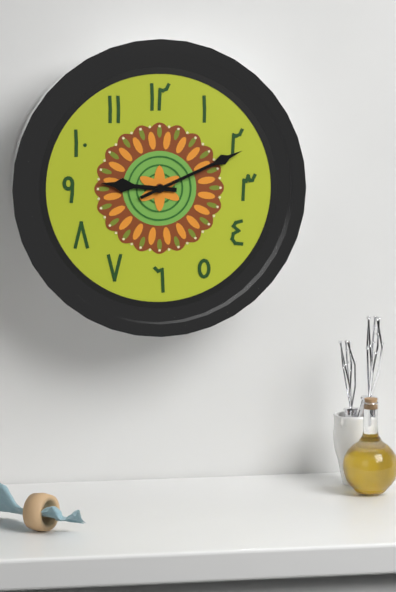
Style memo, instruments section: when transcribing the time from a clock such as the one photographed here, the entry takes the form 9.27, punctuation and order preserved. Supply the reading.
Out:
9.11
